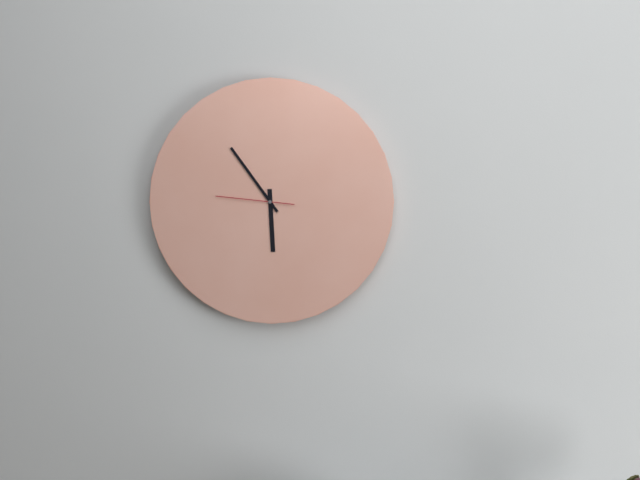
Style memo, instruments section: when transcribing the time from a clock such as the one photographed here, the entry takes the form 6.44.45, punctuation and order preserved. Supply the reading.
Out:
5.54.46
